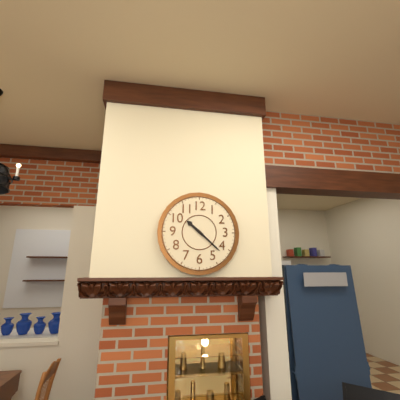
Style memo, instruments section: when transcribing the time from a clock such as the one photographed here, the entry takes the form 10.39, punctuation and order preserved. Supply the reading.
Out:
10.22
